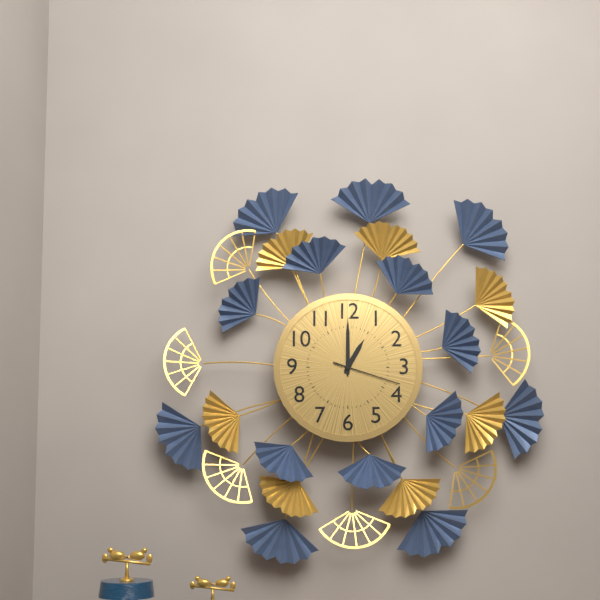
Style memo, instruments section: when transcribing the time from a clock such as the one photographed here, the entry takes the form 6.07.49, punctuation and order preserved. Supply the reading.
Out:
1.00.18
